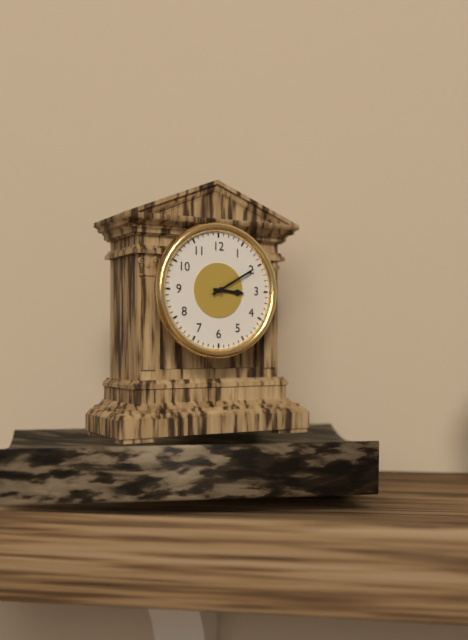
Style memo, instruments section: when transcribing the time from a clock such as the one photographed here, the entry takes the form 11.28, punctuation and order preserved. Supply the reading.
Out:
3.10
